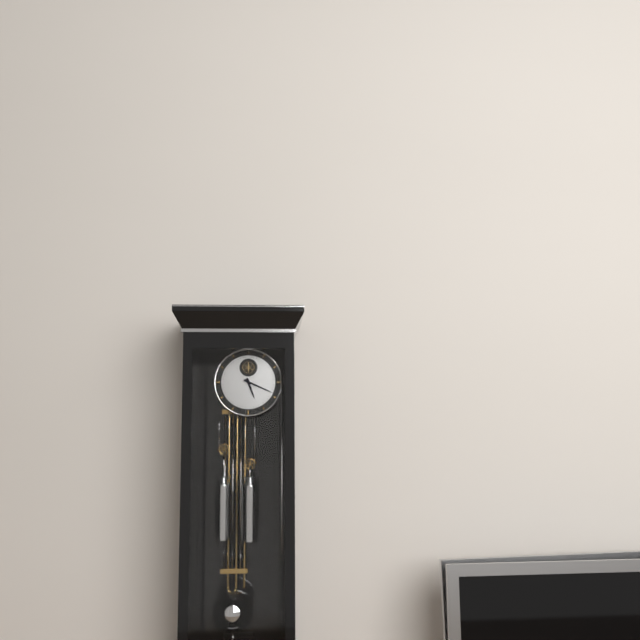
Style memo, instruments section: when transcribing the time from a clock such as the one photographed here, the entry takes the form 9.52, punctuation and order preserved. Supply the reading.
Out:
5.19
